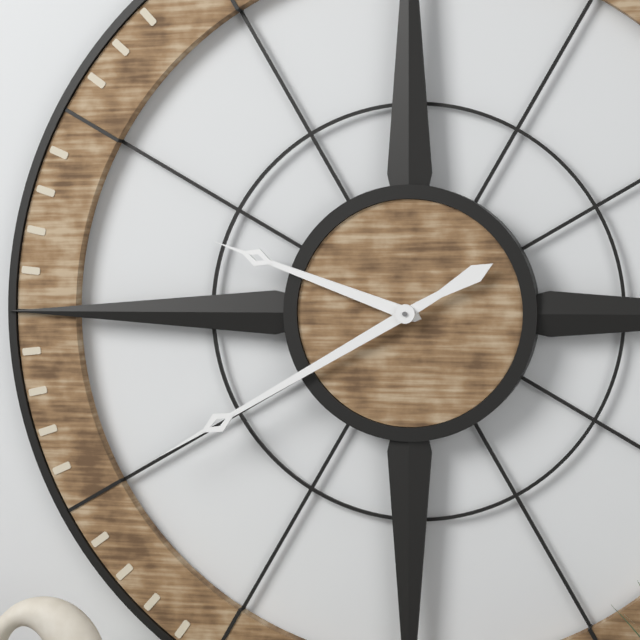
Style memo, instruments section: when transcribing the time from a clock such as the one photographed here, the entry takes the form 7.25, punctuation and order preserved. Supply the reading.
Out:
9.40
